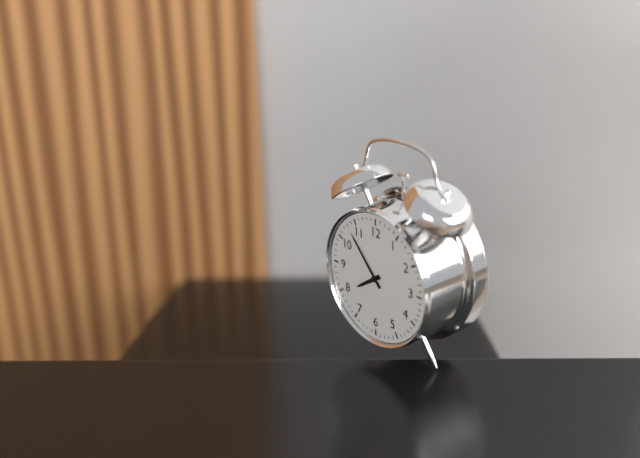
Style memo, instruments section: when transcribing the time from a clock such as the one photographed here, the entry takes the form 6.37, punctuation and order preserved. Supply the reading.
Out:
7.53
